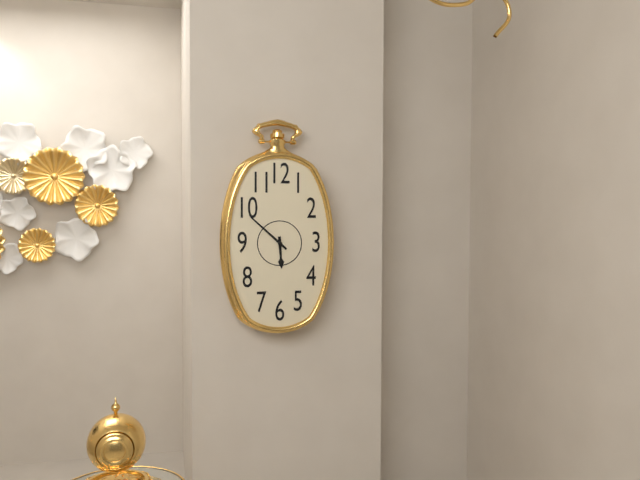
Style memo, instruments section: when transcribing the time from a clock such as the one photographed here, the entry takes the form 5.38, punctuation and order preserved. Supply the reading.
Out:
5.52
